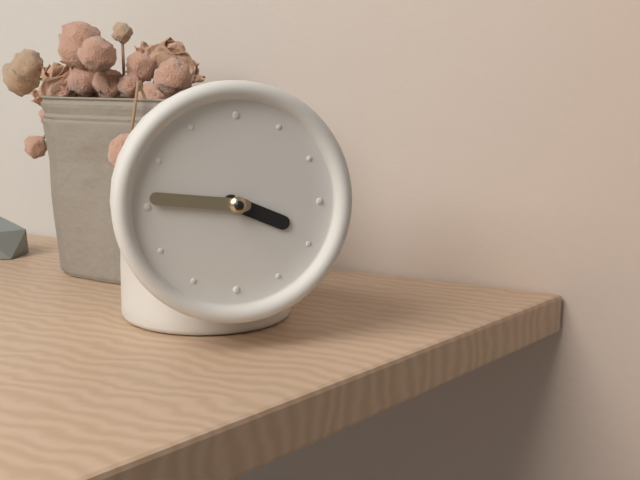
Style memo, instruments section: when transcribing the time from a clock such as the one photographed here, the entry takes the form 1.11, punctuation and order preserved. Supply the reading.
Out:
3.46
